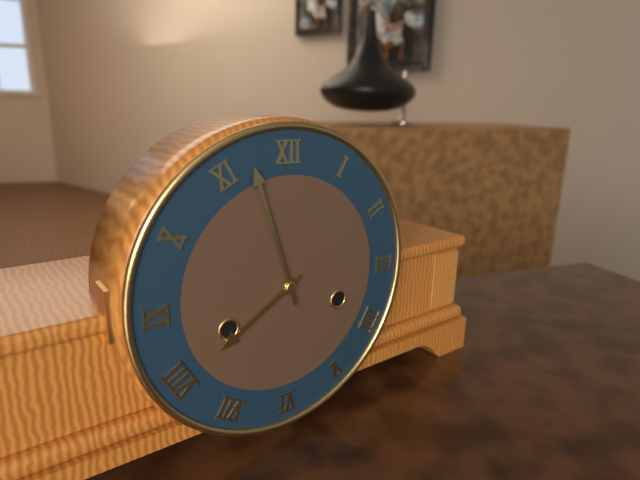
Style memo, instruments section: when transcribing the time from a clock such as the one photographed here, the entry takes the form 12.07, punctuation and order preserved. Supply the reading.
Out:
7.57
